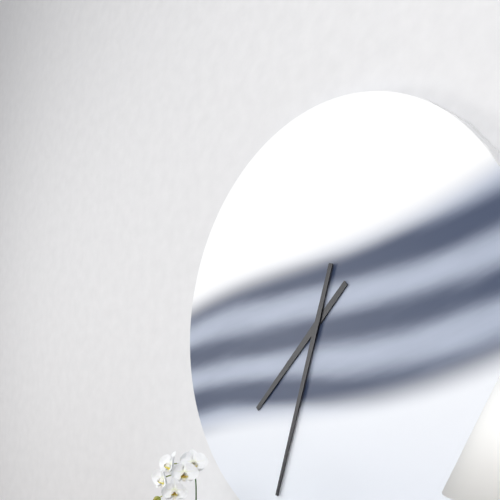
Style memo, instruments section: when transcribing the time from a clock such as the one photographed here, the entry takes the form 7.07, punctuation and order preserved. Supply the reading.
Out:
7.33
